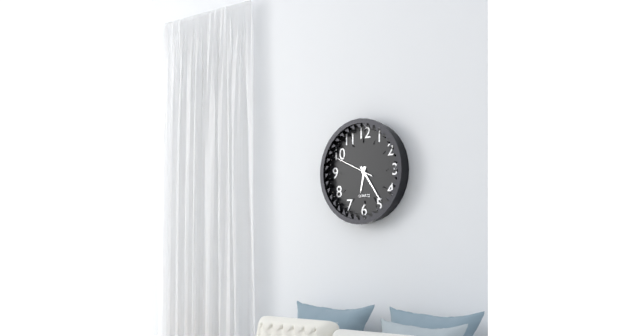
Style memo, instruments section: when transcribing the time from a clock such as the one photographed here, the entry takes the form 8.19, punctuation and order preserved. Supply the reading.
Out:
6.24
